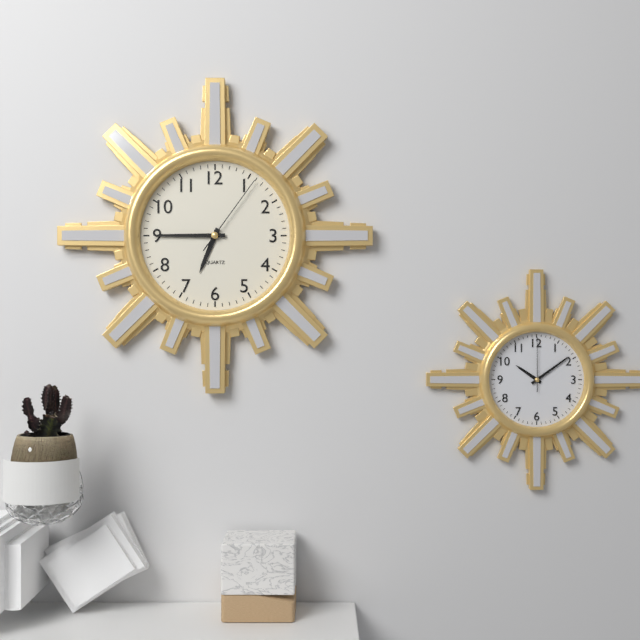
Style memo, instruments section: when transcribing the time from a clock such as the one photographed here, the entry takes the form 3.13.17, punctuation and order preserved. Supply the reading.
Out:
6.45.06
